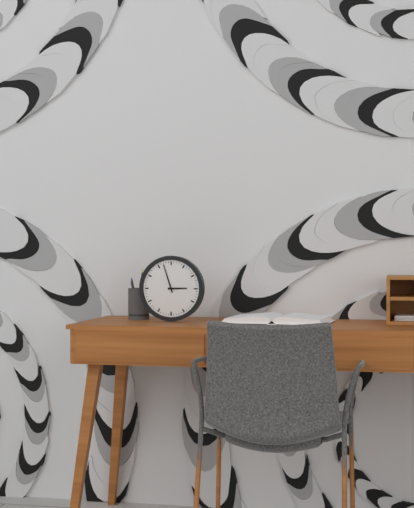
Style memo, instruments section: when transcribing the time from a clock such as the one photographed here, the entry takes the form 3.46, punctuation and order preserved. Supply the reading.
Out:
2.57
